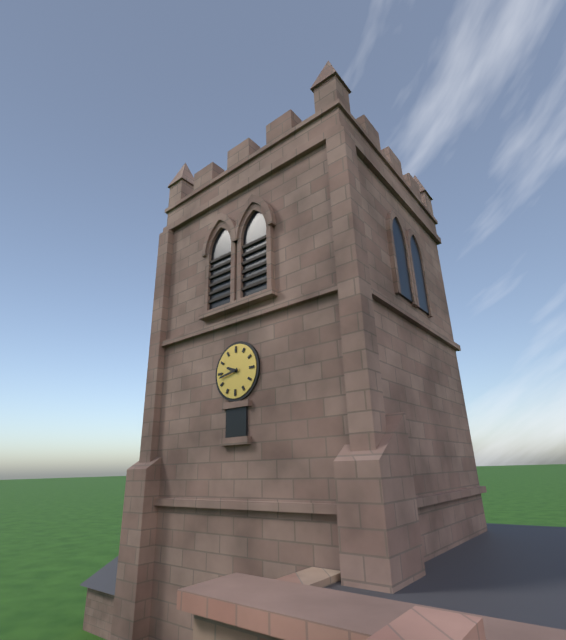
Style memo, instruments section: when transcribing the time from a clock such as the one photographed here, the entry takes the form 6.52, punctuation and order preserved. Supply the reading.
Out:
9.43
